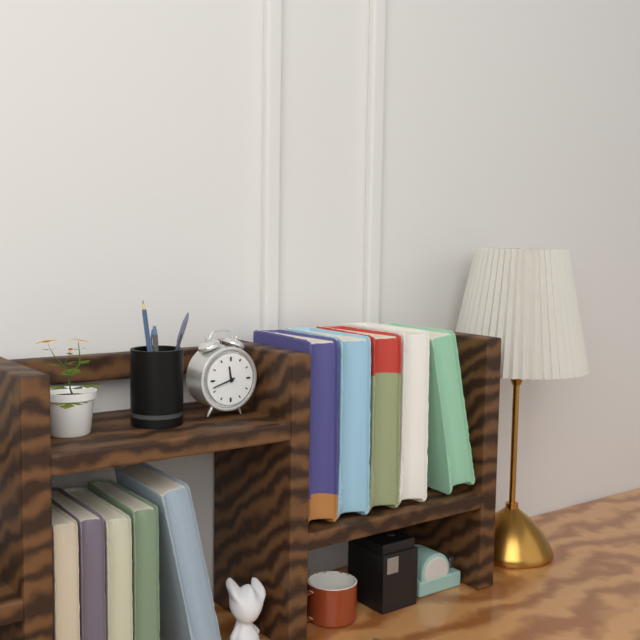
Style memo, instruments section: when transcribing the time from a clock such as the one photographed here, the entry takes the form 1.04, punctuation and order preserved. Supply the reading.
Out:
11.42
